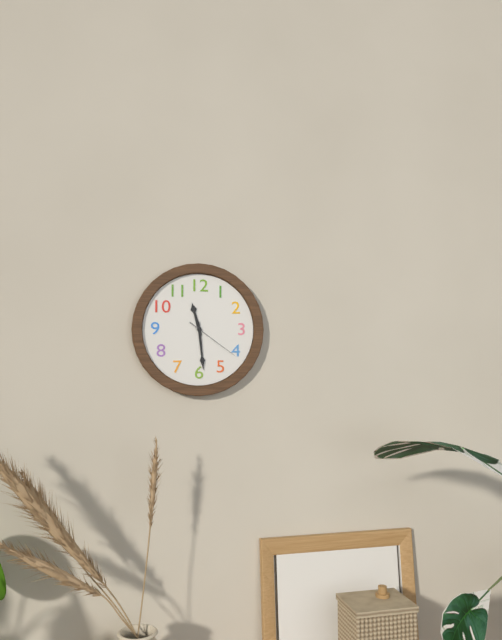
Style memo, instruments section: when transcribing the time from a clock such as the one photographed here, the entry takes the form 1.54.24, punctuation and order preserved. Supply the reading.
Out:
11.29.21
